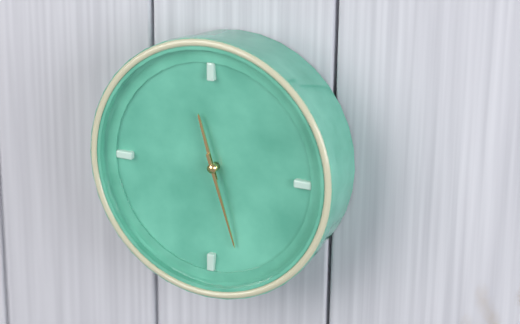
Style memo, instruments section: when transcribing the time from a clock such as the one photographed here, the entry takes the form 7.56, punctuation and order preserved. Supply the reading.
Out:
11.27
